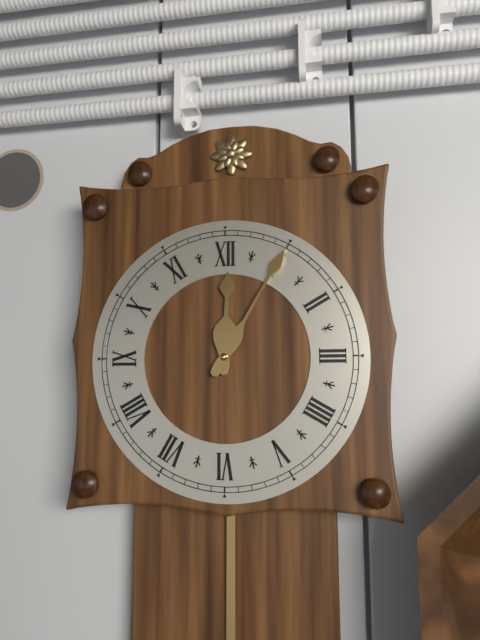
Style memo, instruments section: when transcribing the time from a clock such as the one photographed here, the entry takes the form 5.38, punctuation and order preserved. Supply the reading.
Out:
12.05
